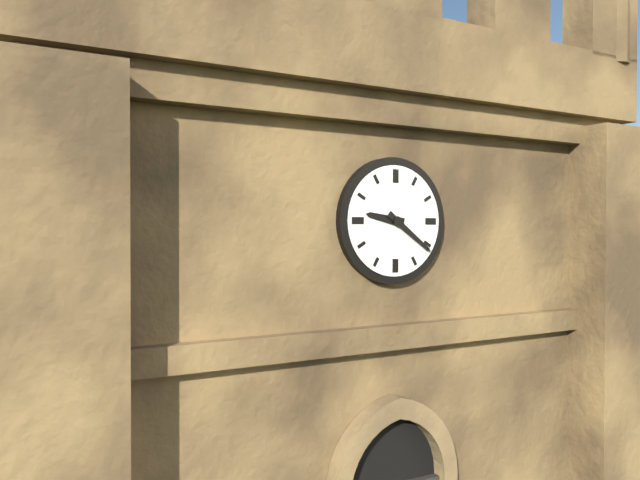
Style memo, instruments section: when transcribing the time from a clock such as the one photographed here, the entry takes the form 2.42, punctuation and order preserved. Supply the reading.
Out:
9.21
